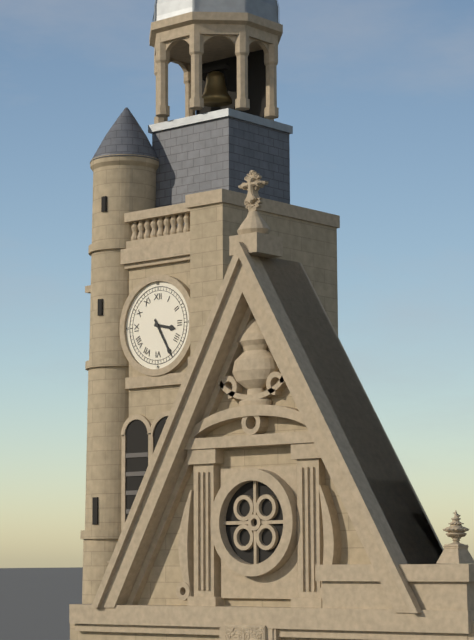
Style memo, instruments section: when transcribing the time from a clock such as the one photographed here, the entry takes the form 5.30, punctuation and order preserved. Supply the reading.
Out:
3.25
